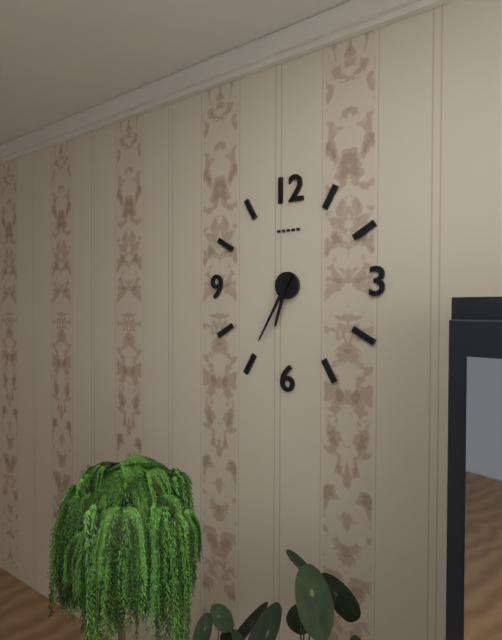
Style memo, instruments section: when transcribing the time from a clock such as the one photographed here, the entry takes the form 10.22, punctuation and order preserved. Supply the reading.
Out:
6.35
